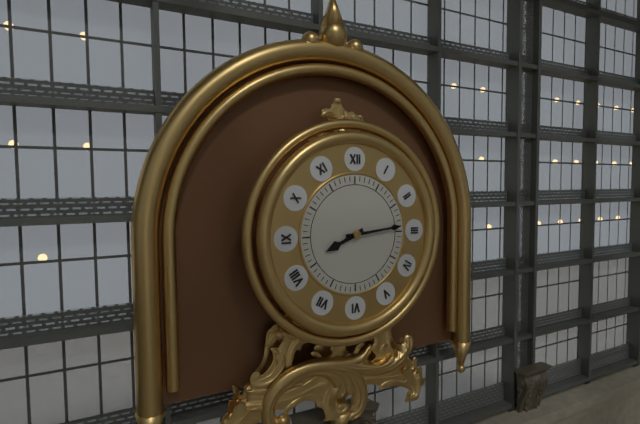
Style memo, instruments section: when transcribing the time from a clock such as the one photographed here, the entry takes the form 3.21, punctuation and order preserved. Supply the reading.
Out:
8.14
